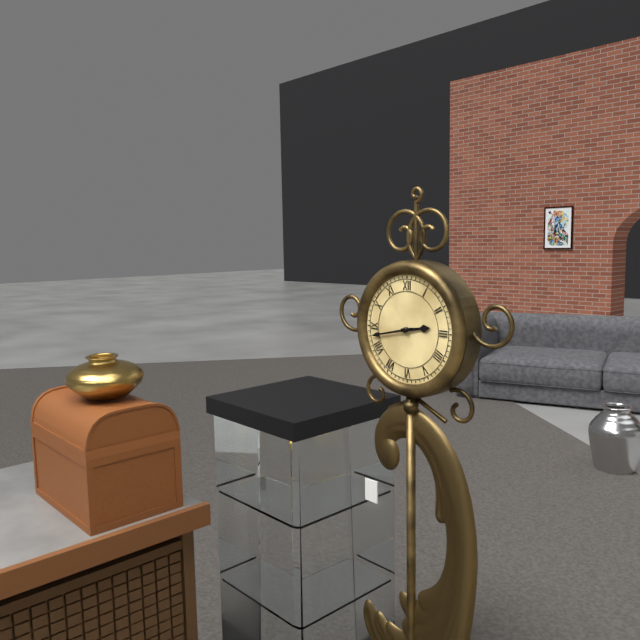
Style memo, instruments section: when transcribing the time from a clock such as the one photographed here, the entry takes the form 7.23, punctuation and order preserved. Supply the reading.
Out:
2.43
